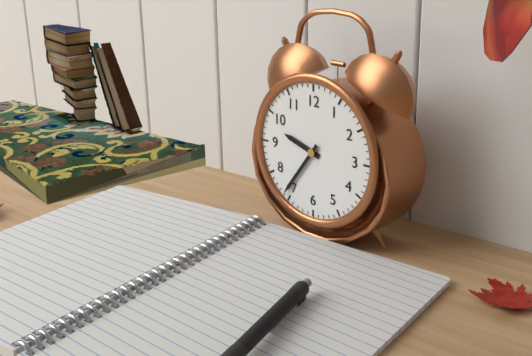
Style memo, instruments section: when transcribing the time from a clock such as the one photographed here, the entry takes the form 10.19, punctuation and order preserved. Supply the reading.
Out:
9.36
